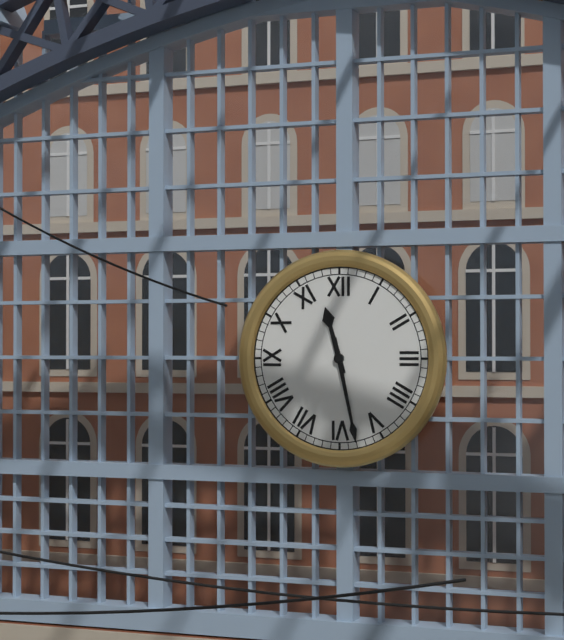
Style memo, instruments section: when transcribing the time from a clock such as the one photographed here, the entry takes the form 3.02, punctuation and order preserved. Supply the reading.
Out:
11.28
